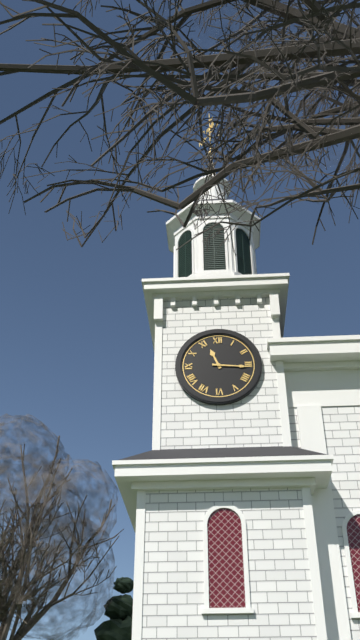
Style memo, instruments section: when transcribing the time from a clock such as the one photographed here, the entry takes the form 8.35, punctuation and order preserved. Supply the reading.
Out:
11.16
